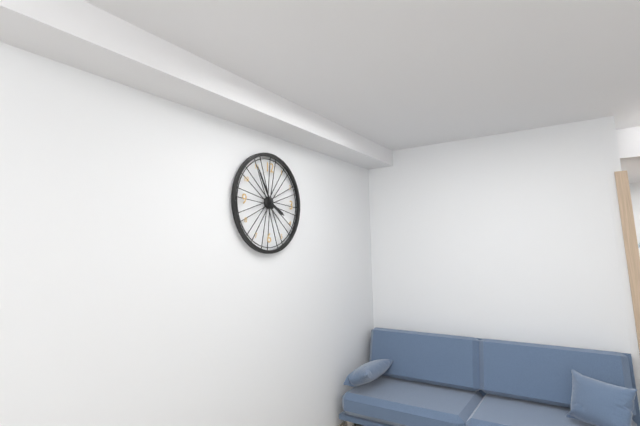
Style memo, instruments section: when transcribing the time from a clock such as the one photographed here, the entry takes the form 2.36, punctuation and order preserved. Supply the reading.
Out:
3.55
